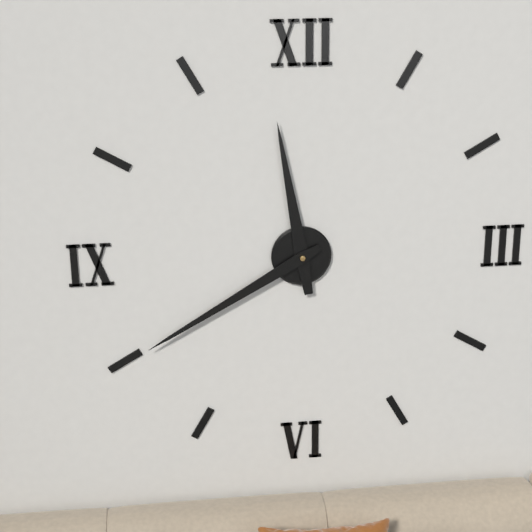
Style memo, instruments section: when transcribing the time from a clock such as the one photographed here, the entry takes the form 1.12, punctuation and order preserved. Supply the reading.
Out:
11.40
